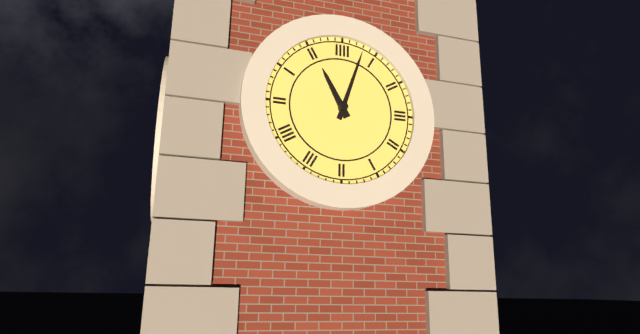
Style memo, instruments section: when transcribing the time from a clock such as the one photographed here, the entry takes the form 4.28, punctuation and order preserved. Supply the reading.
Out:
11.03
